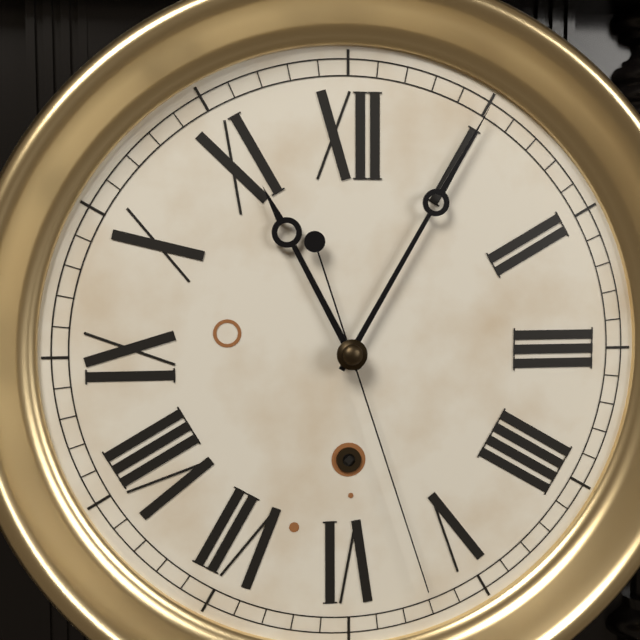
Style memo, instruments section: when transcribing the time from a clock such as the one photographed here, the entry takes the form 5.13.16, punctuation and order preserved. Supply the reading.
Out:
11.05.27
